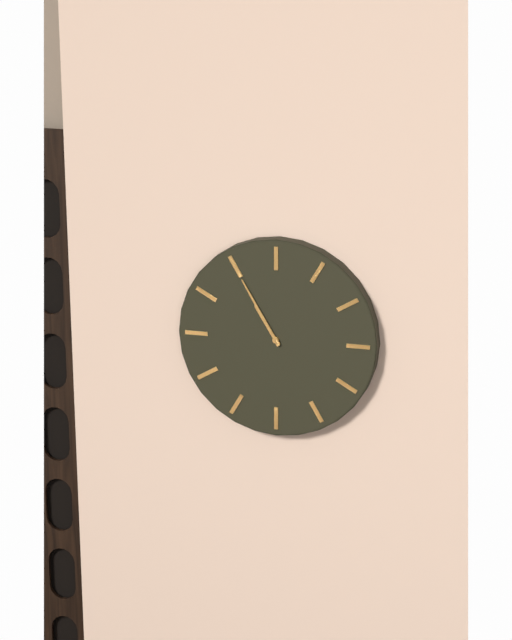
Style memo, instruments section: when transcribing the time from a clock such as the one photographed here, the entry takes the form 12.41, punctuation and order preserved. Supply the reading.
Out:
10.55
